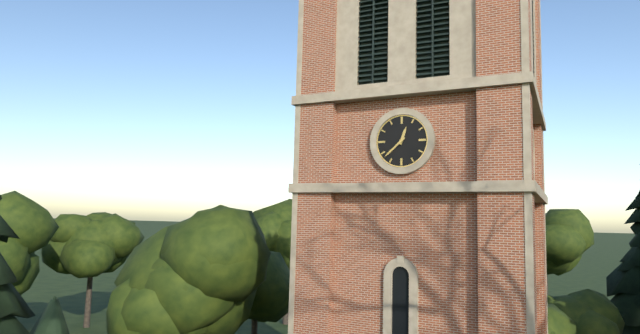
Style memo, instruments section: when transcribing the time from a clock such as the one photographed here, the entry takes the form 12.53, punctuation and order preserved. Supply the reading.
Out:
12.38
